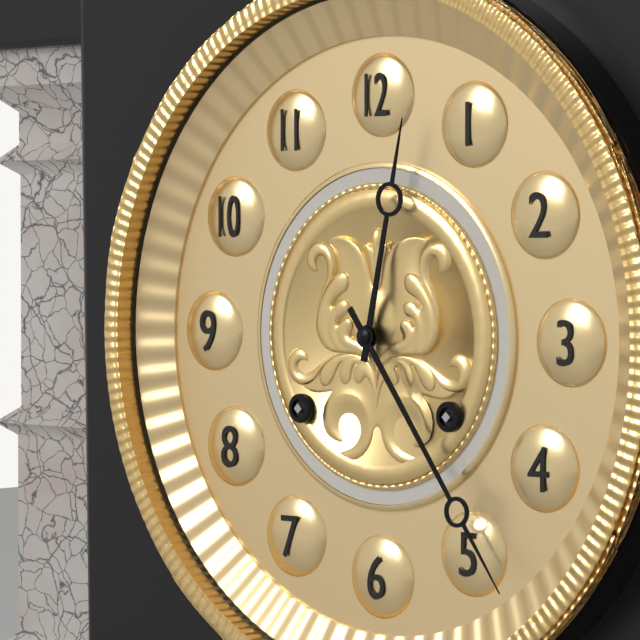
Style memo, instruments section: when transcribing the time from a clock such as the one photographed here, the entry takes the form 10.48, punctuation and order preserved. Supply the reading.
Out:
12.24
